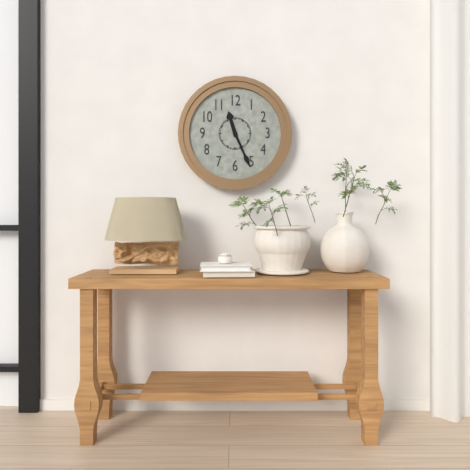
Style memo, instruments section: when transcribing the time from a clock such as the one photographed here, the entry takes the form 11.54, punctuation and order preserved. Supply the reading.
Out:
11.26
